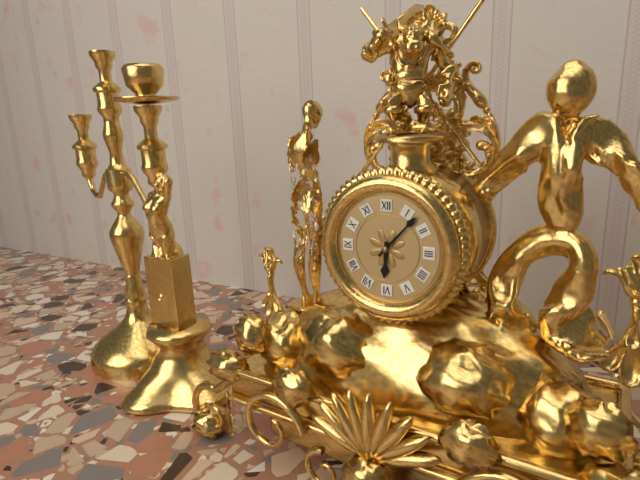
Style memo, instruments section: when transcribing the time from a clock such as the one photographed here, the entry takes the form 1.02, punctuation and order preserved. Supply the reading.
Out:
6.07
